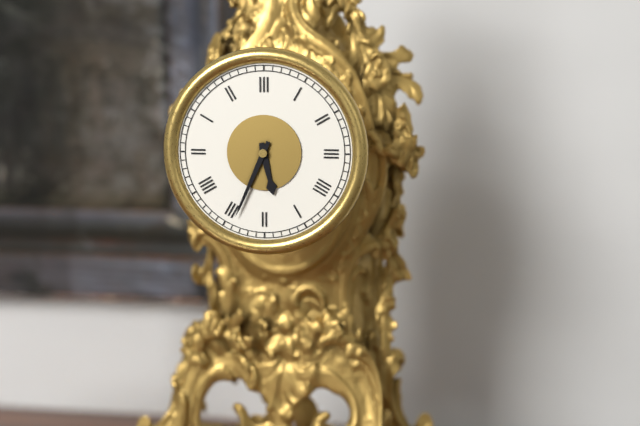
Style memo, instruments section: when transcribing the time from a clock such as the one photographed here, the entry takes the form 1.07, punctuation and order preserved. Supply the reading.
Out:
5.34
